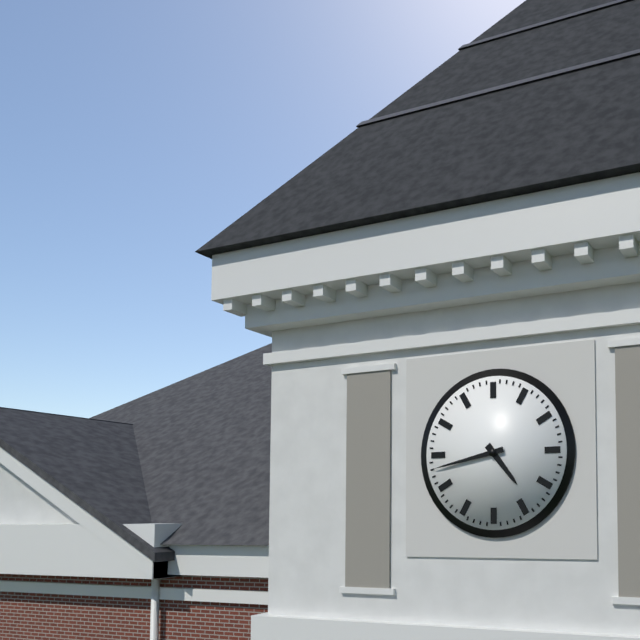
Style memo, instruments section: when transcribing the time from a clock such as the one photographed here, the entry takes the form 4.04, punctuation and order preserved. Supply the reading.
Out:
4.43
